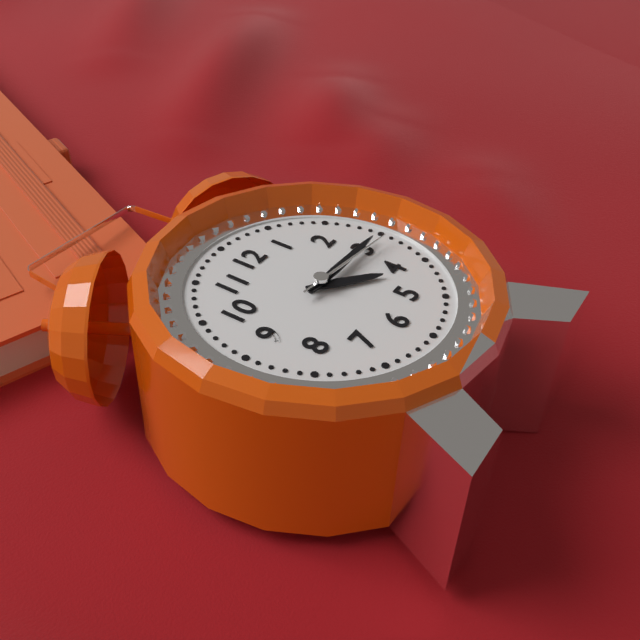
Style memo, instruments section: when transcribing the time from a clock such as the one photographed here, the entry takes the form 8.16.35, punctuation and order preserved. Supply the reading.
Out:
4.15.16
